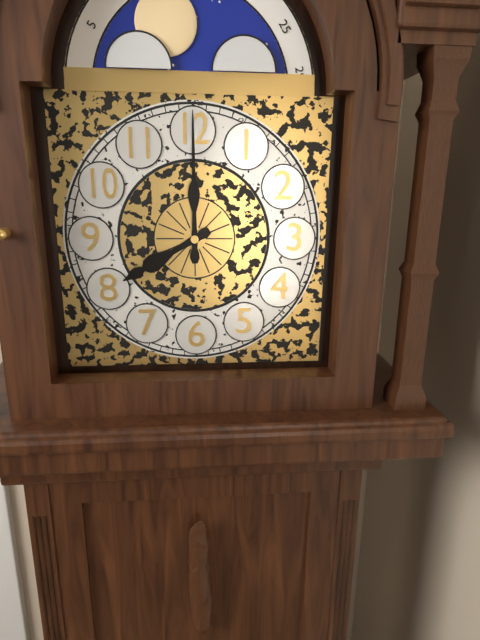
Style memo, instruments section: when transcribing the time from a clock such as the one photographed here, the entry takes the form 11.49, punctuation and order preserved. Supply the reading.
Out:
8.00
